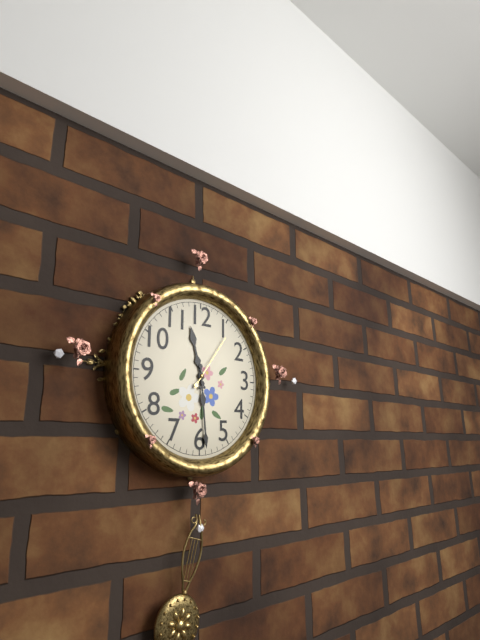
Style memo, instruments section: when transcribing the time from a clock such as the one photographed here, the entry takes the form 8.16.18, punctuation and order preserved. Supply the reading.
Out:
11.29.06
